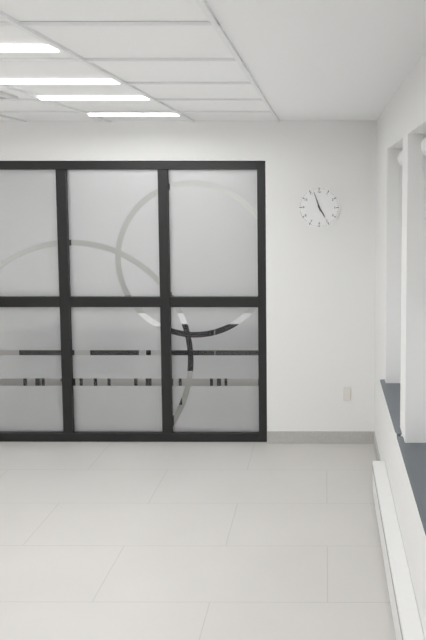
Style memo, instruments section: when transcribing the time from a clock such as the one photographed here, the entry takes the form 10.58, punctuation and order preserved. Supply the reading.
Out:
4.57
